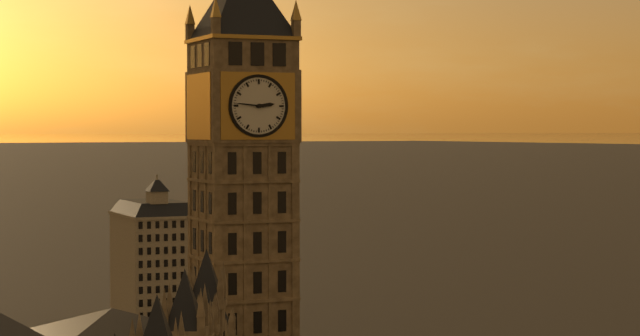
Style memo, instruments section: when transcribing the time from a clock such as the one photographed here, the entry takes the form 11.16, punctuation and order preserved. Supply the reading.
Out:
2.46
